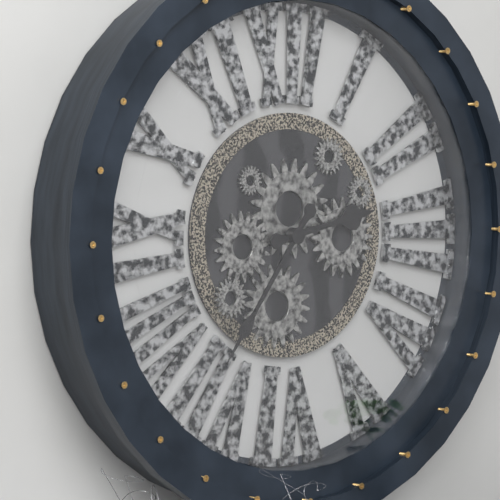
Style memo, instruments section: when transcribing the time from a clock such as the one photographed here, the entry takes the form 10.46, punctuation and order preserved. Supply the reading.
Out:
2.36
